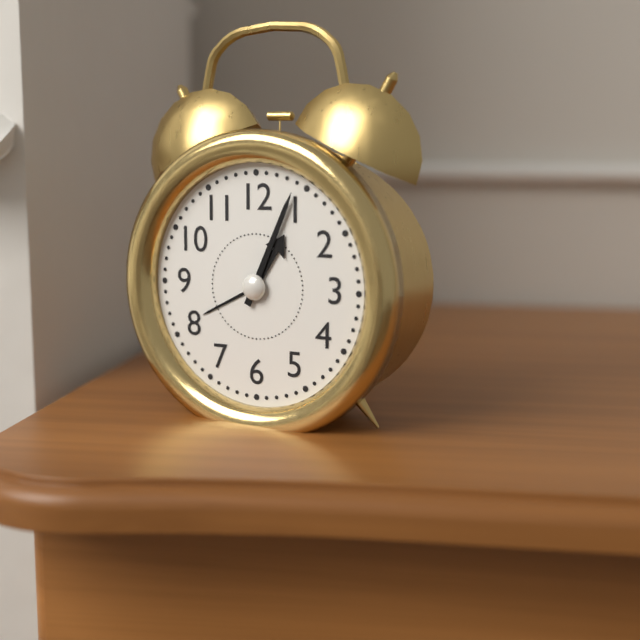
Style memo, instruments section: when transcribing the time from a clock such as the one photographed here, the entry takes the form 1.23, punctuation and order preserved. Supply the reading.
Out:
1.04
